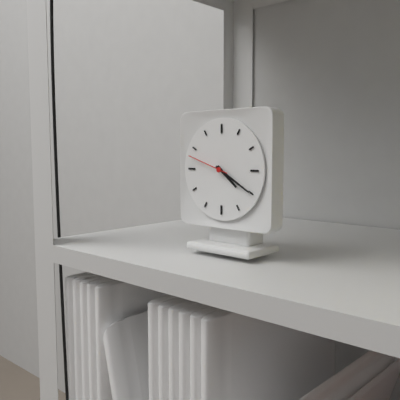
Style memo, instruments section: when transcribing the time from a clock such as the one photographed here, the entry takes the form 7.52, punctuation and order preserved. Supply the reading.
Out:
4.20
